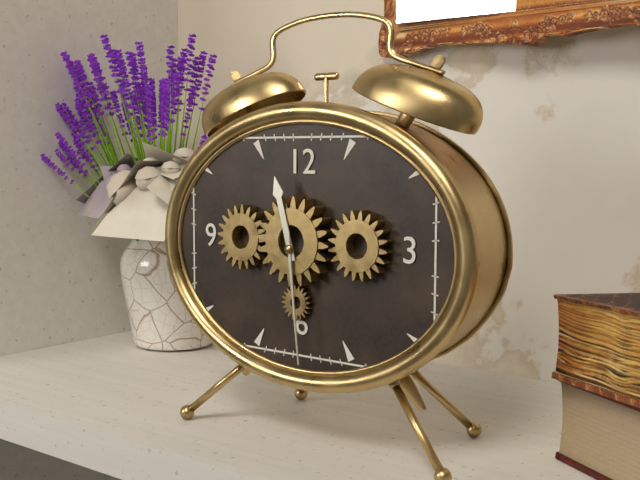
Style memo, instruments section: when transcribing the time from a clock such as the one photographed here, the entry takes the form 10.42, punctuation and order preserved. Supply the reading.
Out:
11.29
